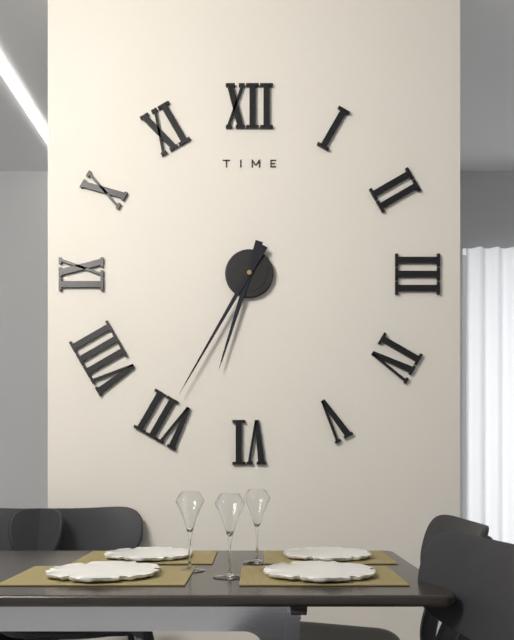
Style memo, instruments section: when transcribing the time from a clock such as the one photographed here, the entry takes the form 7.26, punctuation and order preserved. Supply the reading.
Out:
6.35
